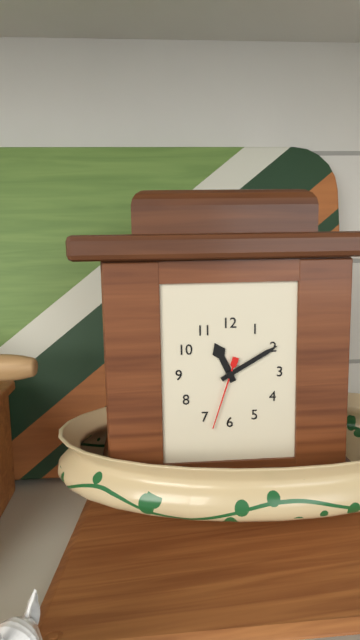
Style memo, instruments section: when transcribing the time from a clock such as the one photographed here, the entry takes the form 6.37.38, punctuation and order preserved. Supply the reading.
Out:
11.10.33
